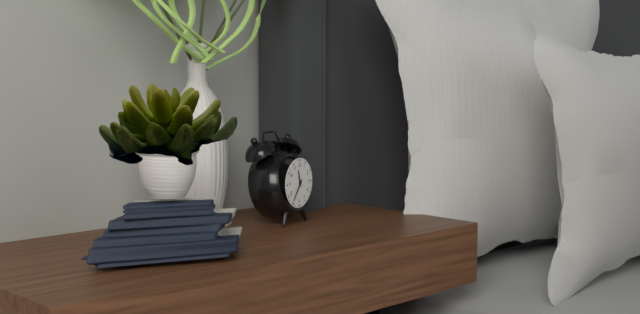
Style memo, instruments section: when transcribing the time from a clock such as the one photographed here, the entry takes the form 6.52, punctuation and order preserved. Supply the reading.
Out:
11.36
